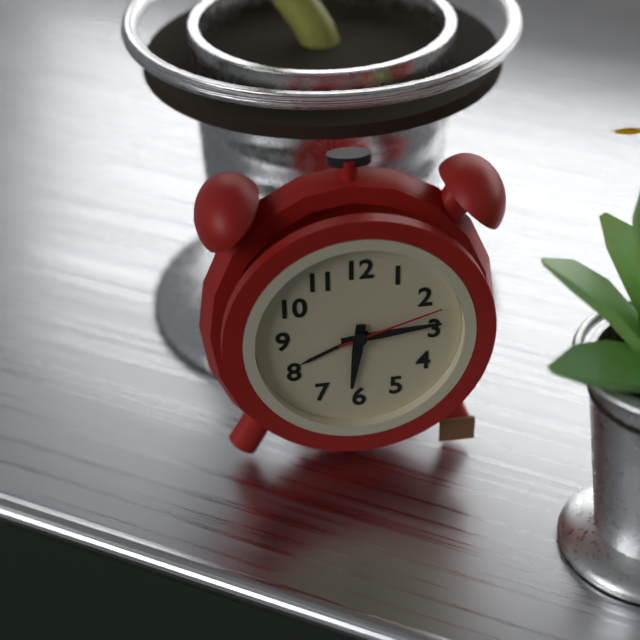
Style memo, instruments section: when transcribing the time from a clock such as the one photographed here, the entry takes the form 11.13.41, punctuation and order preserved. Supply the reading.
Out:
6.14.12
